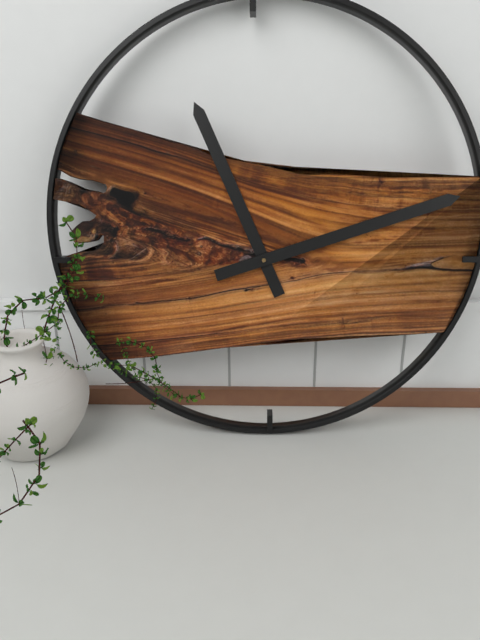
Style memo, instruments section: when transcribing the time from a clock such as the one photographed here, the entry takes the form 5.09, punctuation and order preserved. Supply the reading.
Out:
11.12
